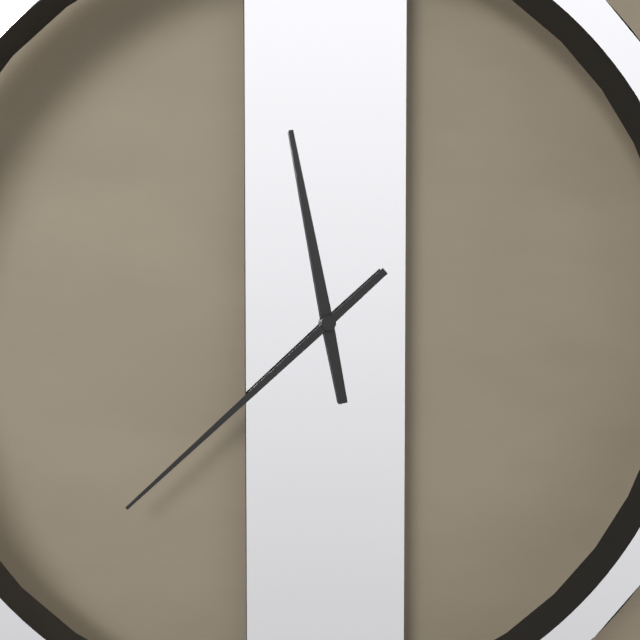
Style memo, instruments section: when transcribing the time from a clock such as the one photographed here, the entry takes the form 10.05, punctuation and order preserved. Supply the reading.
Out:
11.38
